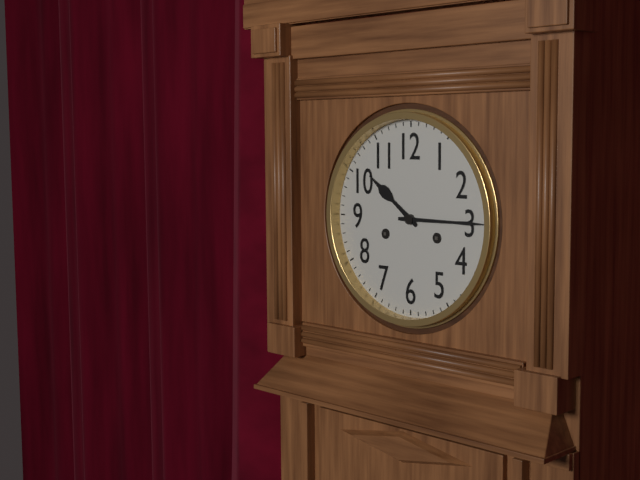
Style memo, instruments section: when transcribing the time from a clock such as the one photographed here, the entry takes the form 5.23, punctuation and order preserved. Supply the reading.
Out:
10.15
